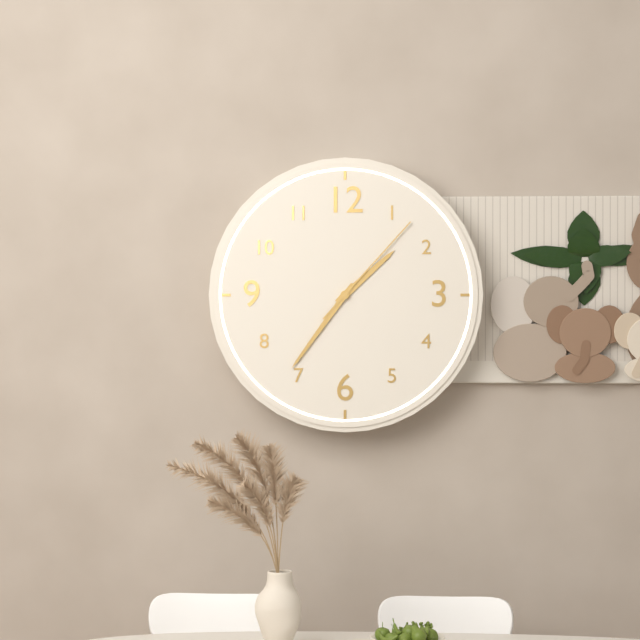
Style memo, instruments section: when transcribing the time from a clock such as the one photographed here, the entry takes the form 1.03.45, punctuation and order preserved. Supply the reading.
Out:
1.36.07
